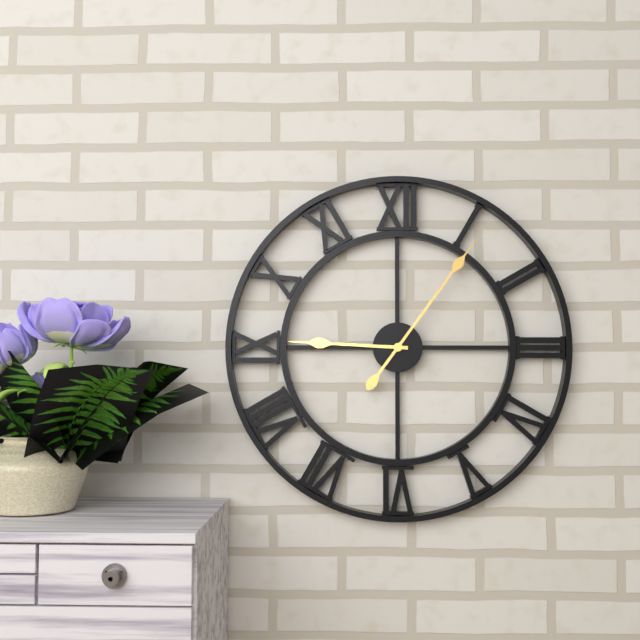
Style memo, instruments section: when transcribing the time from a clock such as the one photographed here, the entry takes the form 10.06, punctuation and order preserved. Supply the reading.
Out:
9.06
